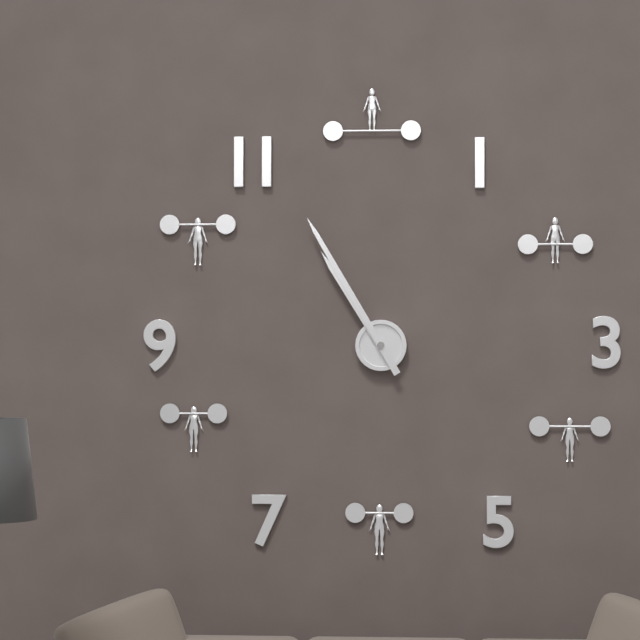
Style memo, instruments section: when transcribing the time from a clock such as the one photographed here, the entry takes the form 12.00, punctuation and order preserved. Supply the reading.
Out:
10.55
